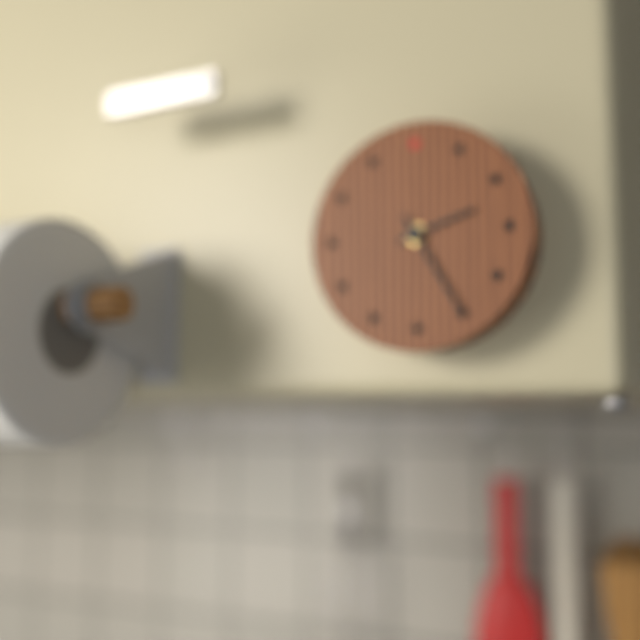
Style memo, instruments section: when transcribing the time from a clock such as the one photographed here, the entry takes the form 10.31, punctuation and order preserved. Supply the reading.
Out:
2.25
